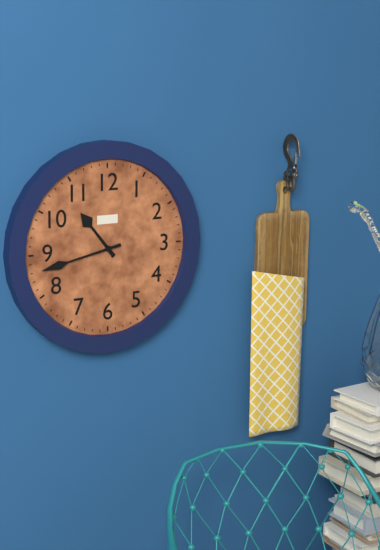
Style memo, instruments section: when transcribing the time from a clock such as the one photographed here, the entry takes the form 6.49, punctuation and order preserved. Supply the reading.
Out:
10.43
